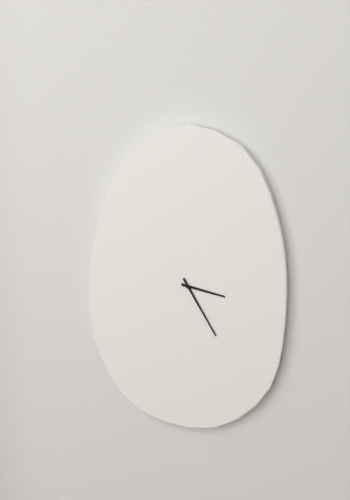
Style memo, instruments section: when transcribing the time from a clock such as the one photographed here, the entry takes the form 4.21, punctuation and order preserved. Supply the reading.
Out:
3.25
